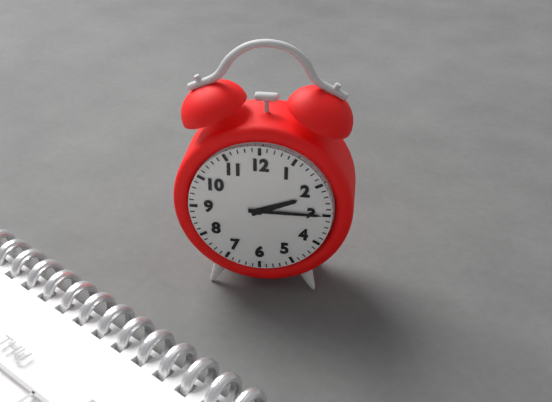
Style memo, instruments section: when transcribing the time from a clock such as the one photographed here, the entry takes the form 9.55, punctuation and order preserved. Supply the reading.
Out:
2.15
